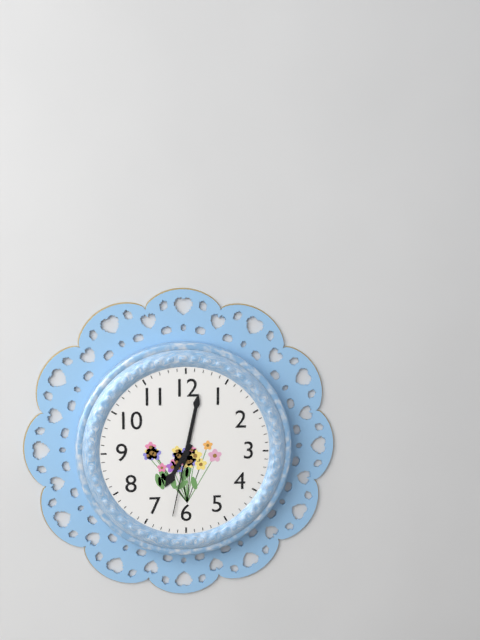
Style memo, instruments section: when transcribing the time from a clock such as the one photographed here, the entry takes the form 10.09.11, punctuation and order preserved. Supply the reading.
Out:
7.02.32
